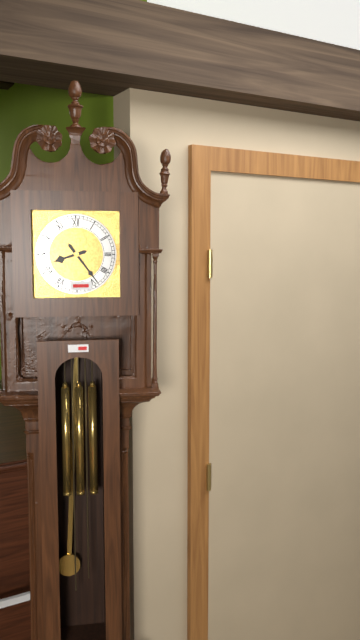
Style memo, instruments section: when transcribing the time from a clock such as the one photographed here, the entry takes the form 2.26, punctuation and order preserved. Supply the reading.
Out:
8.24
